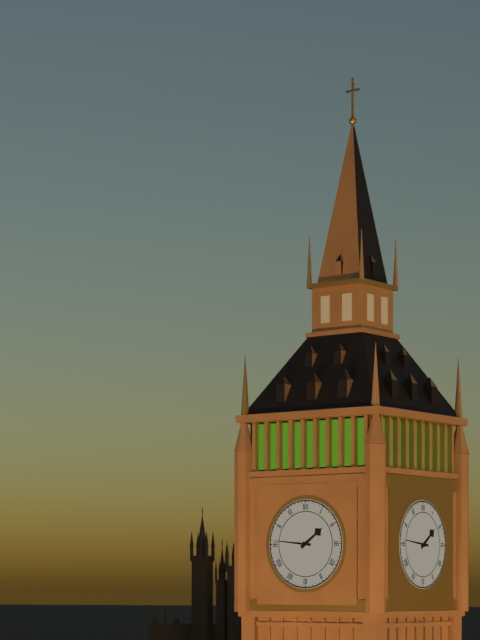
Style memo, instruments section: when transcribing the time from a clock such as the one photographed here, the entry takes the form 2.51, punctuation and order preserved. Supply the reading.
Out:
1.46
